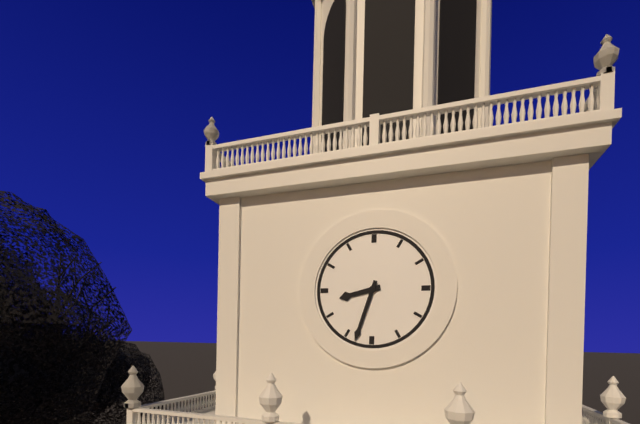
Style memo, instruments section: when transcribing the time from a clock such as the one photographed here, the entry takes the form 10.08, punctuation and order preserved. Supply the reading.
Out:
8.33
